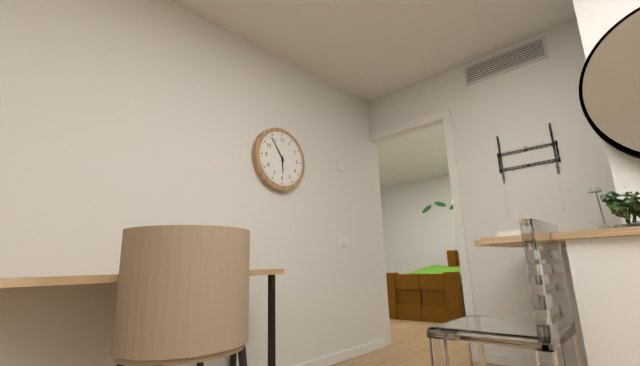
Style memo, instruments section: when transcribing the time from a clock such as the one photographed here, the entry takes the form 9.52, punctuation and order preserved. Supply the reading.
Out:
5.54
